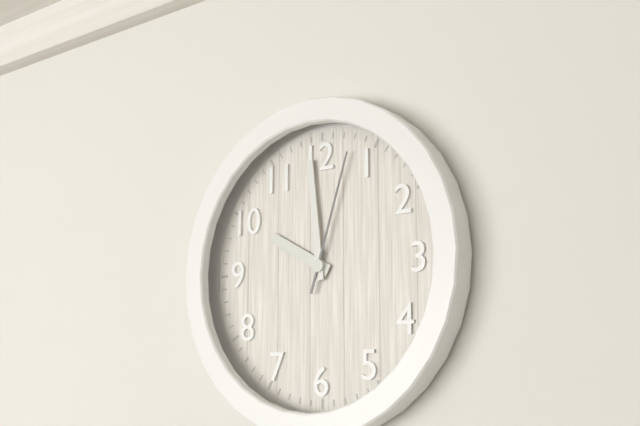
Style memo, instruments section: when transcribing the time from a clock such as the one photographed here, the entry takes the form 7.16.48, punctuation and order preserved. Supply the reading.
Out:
9.59.03
